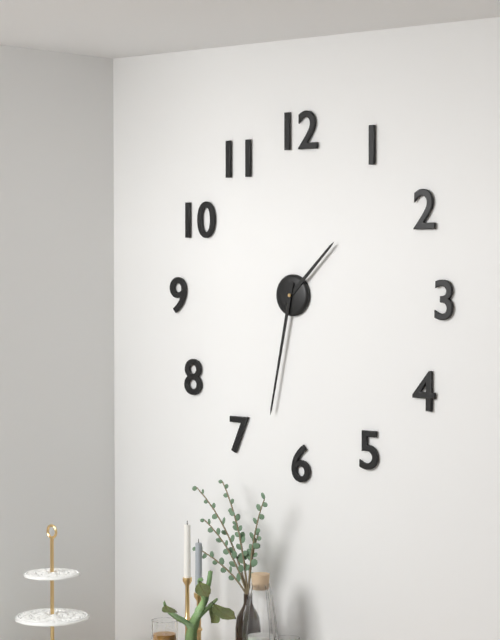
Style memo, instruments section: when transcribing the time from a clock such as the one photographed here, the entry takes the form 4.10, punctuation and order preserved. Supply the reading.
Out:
1.32
